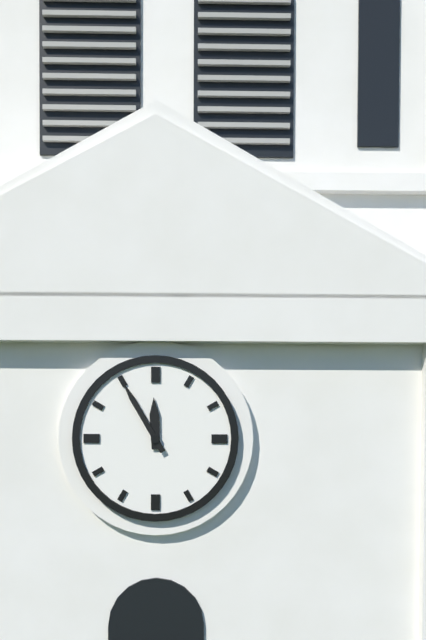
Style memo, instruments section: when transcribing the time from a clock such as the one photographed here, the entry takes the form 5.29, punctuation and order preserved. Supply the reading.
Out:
11.55
